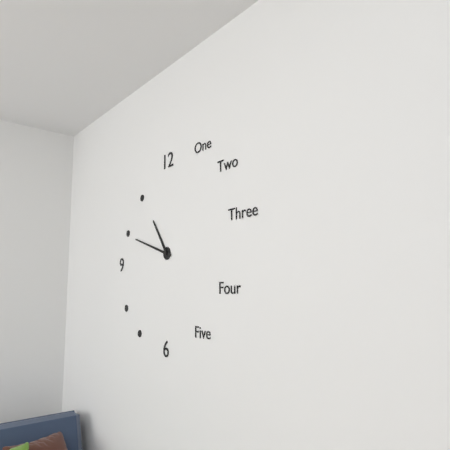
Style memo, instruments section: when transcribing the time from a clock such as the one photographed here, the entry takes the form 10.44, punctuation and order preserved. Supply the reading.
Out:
10.48
